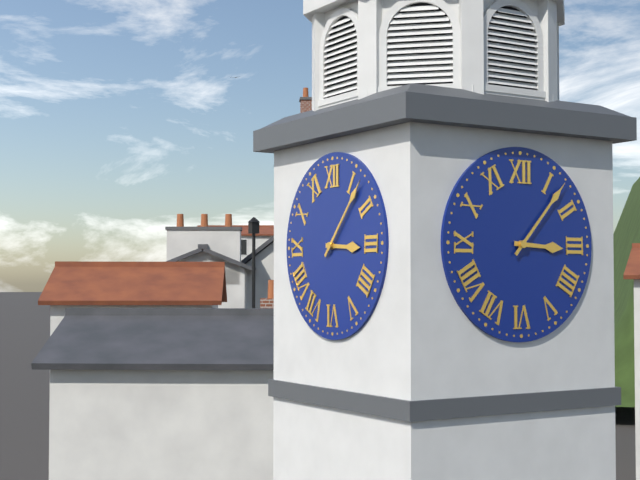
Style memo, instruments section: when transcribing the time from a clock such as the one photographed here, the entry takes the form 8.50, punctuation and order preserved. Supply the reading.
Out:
3.07
